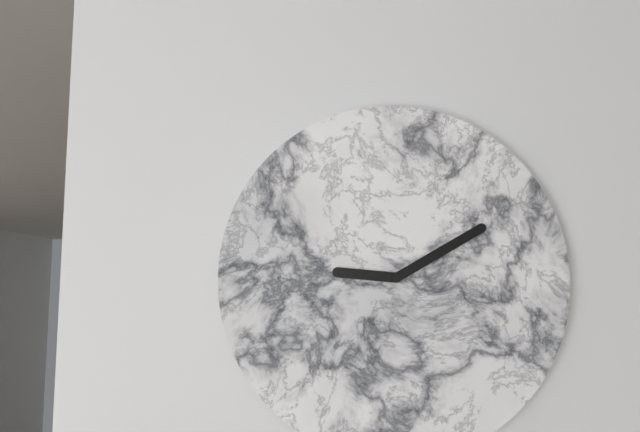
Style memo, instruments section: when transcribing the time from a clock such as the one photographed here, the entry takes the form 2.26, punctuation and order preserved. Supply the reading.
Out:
9.10
